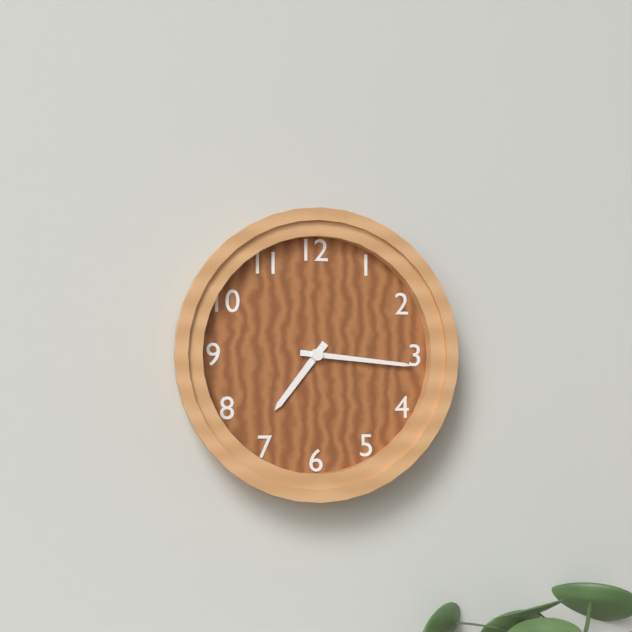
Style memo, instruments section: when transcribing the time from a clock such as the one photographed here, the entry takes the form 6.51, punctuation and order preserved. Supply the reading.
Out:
7.16
